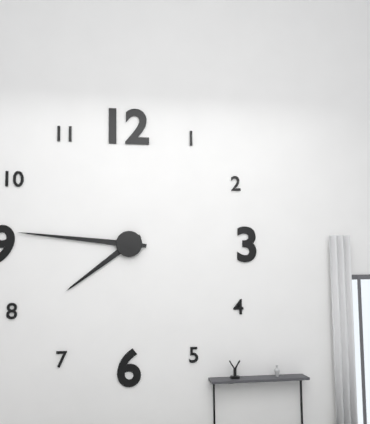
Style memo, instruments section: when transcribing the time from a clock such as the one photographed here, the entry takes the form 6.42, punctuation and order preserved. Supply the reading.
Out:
7.46
